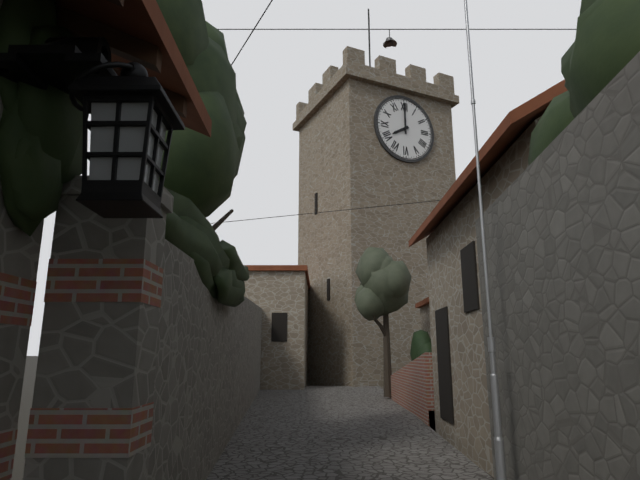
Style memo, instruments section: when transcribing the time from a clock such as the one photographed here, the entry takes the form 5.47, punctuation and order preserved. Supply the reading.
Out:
8.00
